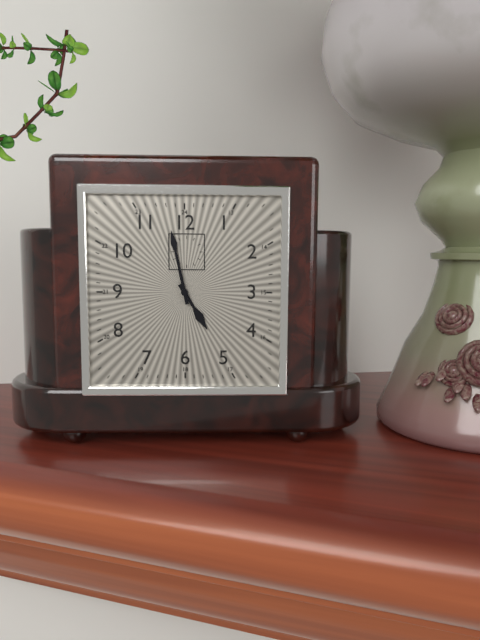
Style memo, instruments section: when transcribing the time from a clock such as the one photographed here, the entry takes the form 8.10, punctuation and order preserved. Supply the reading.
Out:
4.58
